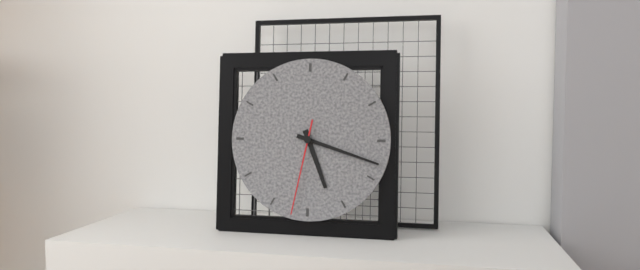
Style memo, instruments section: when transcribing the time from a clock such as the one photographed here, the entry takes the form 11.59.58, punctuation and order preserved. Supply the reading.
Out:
5.18.32
